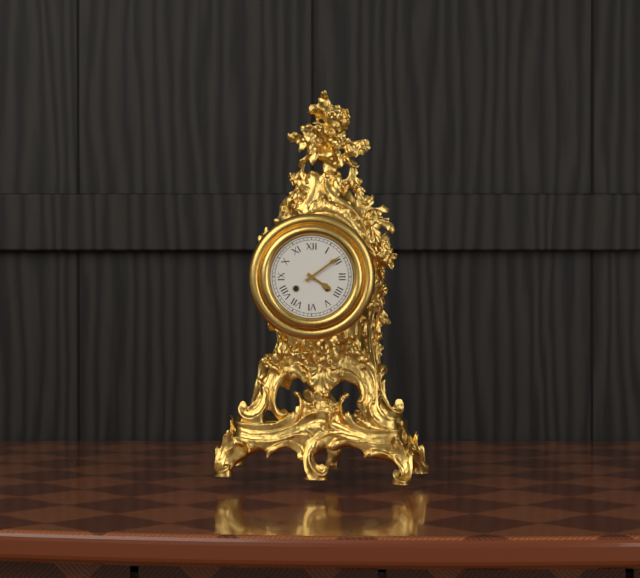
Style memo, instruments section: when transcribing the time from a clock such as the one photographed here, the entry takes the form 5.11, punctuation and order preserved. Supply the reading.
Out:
4.09
